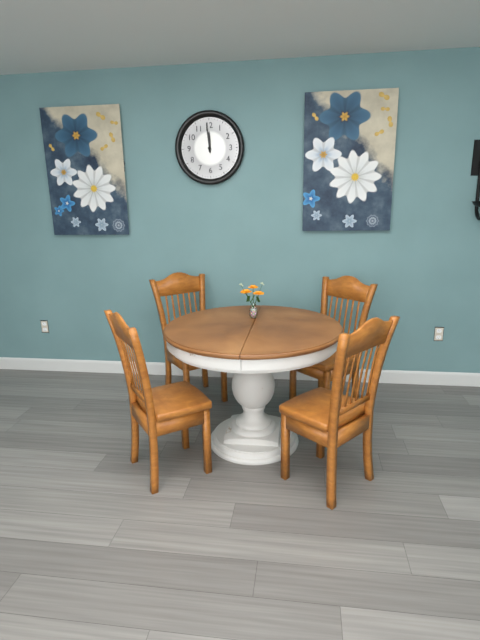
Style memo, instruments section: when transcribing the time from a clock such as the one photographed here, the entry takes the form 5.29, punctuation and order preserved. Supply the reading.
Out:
11.59
